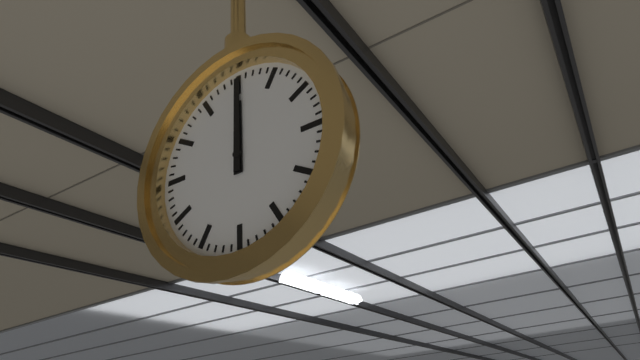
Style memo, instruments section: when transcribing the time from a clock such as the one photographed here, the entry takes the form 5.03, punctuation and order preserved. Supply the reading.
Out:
12.00
